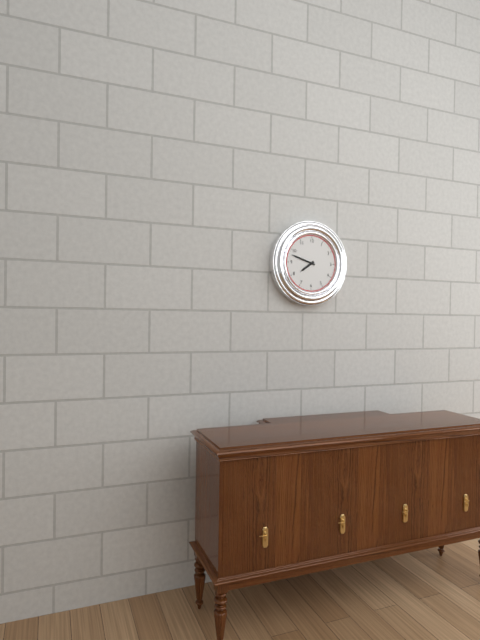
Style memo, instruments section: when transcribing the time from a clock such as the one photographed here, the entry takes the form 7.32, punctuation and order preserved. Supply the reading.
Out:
7.48
